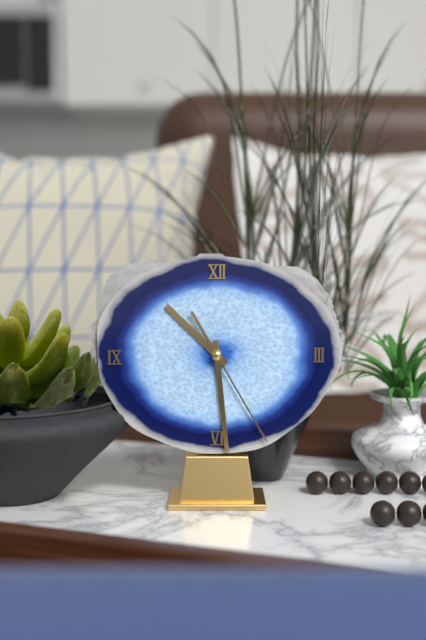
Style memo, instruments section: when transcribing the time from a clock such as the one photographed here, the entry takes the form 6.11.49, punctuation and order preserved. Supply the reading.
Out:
10.29.25
